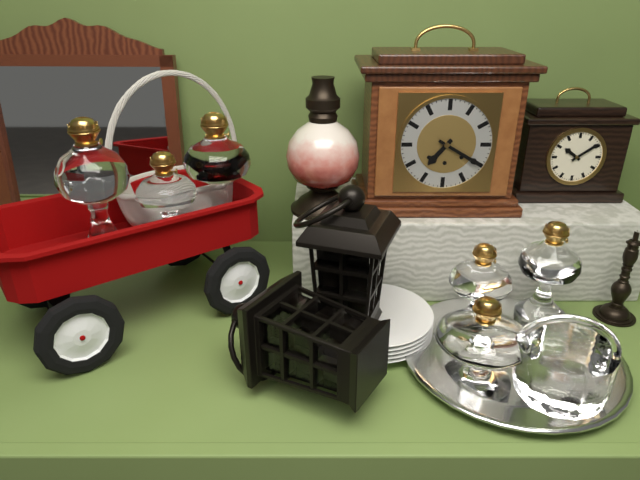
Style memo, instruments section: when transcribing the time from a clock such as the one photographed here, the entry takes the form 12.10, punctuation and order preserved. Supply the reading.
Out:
7.20
